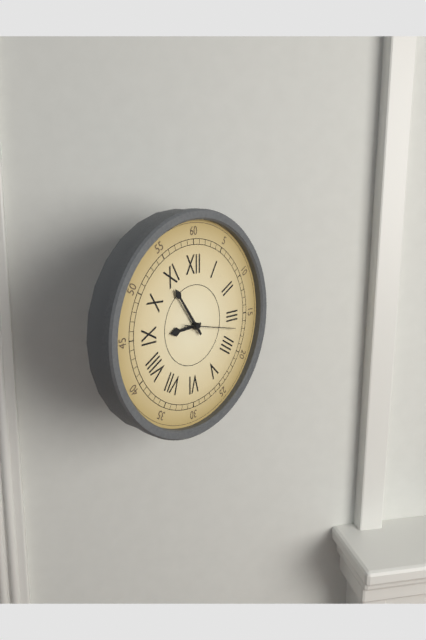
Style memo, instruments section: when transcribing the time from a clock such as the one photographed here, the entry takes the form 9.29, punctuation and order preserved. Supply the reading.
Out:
8.54
